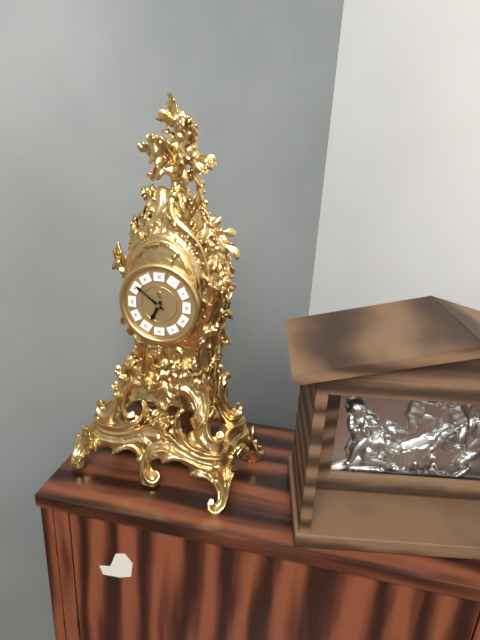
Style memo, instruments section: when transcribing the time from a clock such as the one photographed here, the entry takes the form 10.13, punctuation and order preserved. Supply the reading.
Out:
6.51
